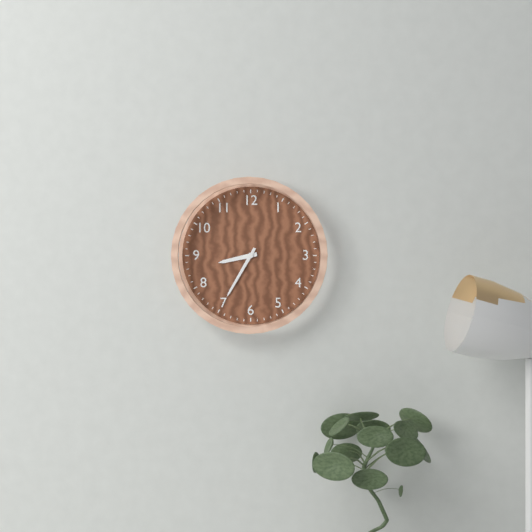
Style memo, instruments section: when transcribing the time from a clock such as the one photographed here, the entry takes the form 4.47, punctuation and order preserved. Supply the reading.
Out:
8.35
